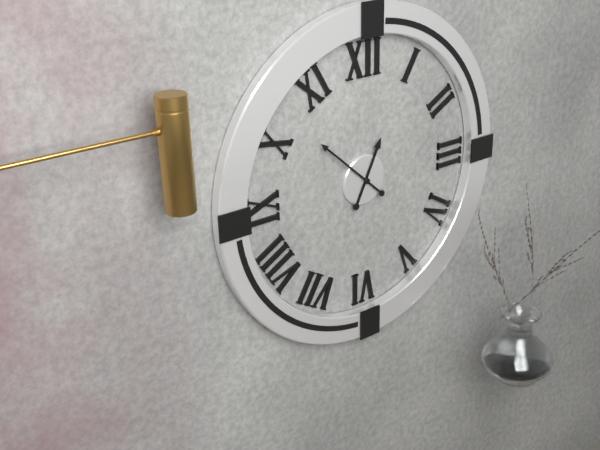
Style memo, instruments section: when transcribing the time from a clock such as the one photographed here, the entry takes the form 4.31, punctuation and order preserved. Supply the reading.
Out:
12.52
